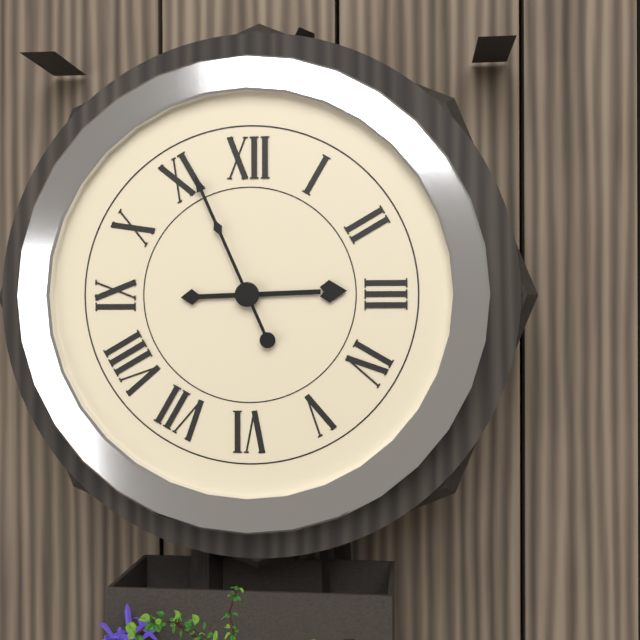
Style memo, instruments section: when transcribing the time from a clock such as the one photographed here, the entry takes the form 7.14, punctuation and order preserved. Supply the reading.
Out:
2.56
